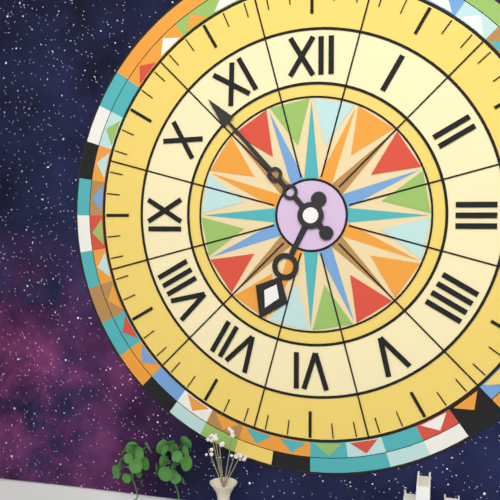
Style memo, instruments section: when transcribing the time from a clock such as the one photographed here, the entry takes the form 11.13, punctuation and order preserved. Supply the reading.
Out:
6.53
